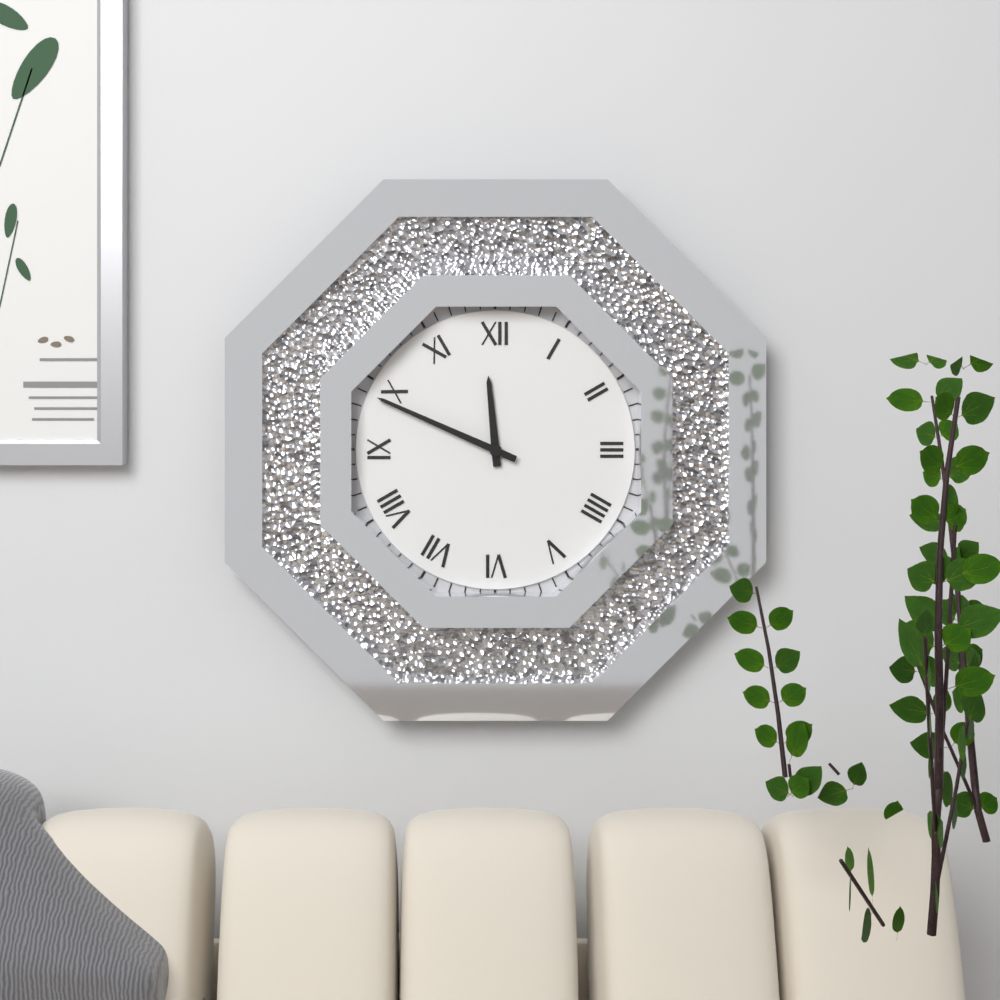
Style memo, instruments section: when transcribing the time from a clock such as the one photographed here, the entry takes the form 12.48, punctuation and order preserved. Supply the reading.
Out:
11.49
